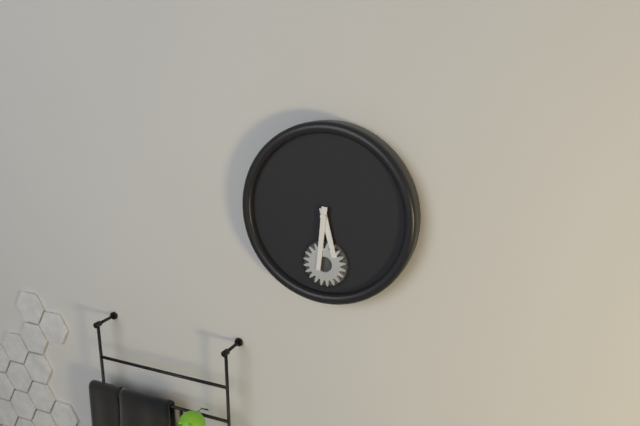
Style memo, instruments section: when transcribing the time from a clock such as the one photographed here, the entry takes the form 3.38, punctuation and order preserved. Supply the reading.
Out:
5.31
